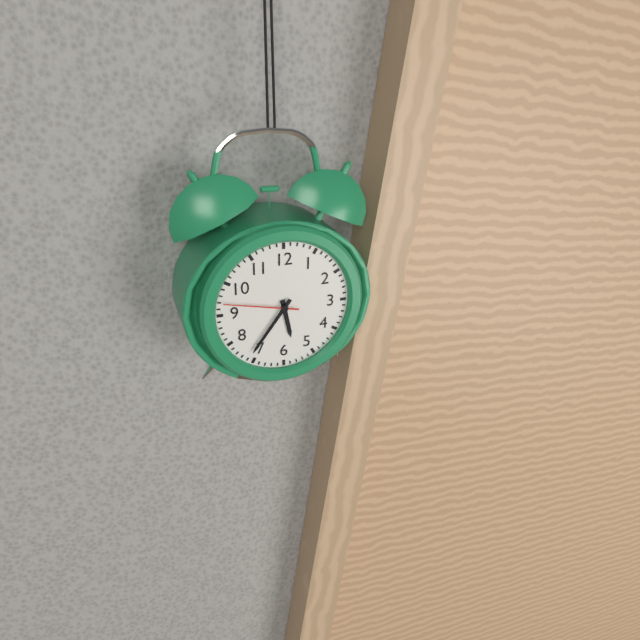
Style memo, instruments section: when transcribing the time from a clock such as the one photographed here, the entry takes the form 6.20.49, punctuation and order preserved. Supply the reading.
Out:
5.36.47
